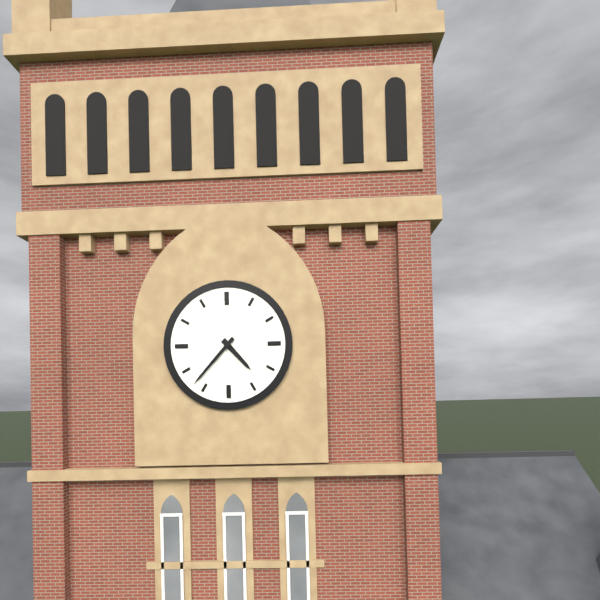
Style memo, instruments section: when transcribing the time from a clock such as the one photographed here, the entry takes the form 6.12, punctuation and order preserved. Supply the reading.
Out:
4.37
